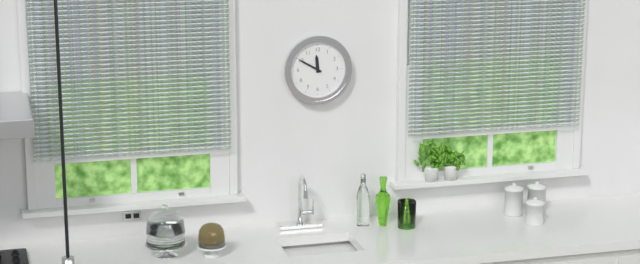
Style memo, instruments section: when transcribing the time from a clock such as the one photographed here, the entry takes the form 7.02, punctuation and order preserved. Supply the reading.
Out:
11.50
